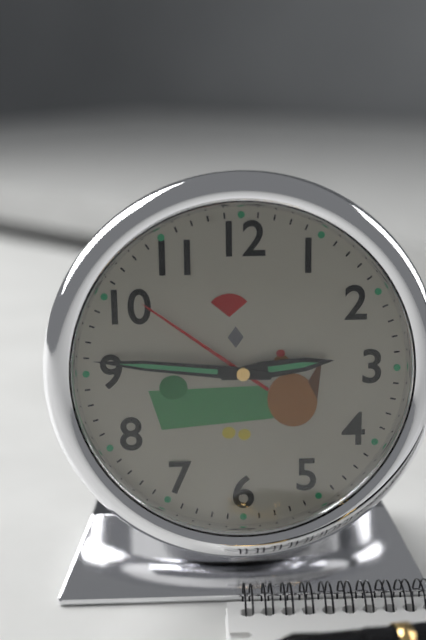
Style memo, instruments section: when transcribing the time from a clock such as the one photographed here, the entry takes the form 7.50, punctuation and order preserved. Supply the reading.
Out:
2.46
